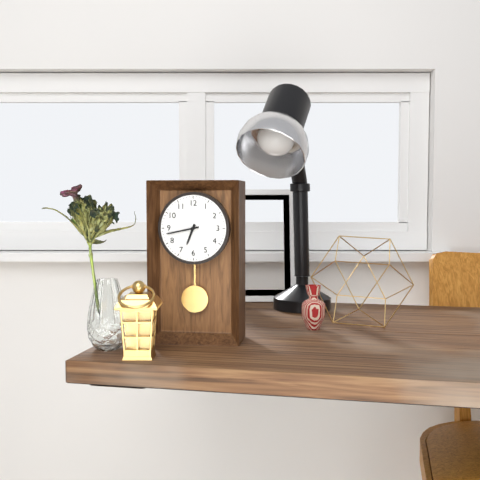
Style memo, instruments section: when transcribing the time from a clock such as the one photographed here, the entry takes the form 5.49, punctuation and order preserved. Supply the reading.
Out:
6.43
